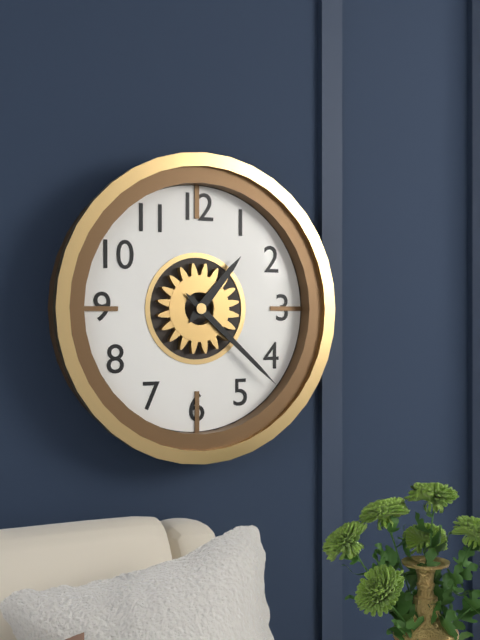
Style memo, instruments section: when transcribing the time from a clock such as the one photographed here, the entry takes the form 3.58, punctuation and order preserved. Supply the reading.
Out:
1.22
